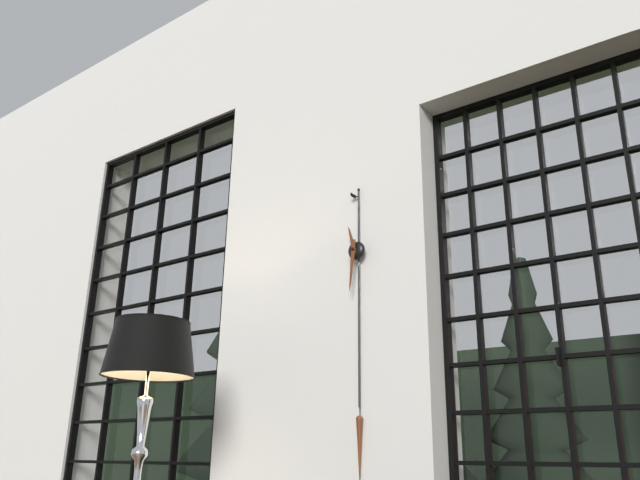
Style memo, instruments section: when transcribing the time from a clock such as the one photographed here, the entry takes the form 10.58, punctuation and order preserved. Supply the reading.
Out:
11.31
